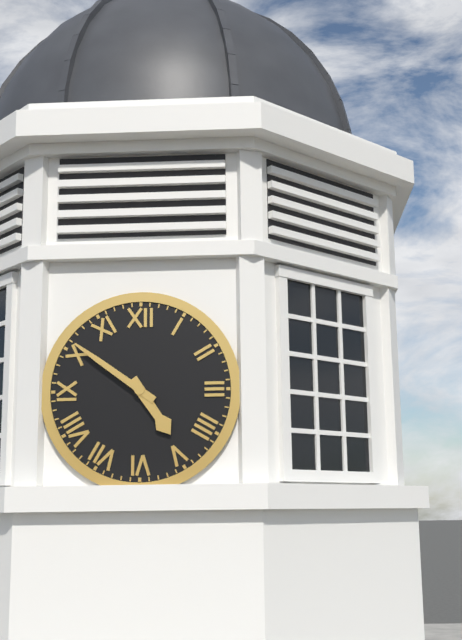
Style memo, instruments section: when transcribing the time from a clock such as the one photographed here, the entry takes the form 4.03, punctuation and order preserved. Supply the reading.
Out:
4.51
